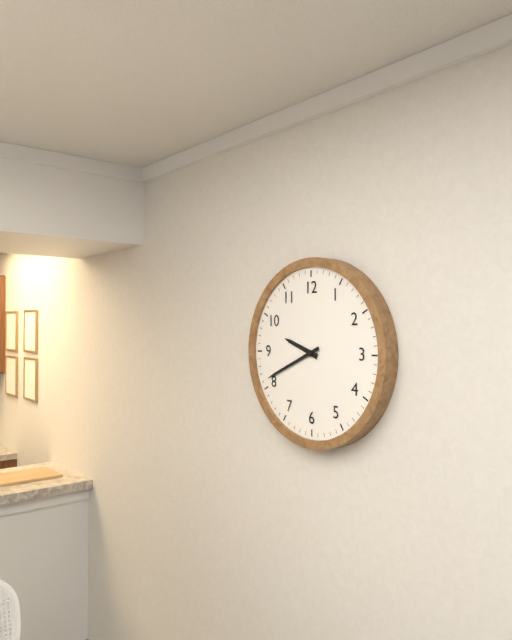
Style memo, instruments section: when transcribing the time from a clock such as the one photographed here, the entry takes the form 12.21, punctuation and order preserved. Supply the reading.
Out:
9.41
